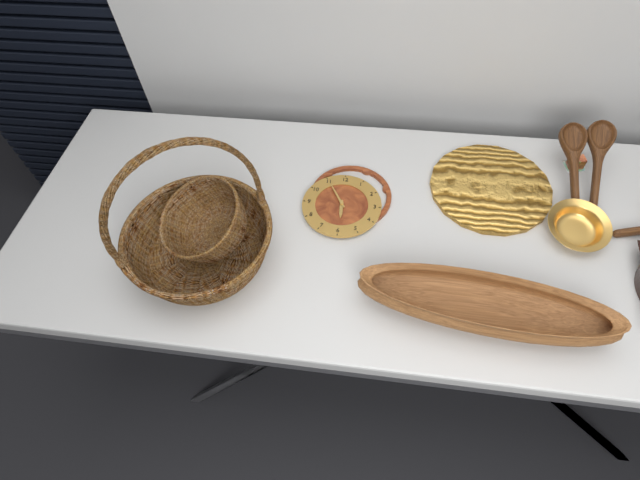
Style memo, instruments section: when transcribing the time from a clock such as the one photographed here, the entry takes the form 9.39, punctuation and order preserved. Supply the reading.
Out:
5.55
